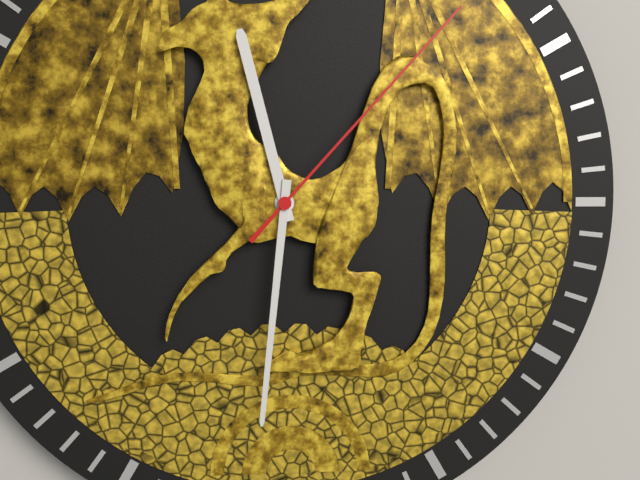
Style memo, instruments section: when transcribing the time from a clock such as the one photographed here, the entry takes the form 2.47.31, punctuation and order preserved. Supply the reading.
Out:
11.31.07
